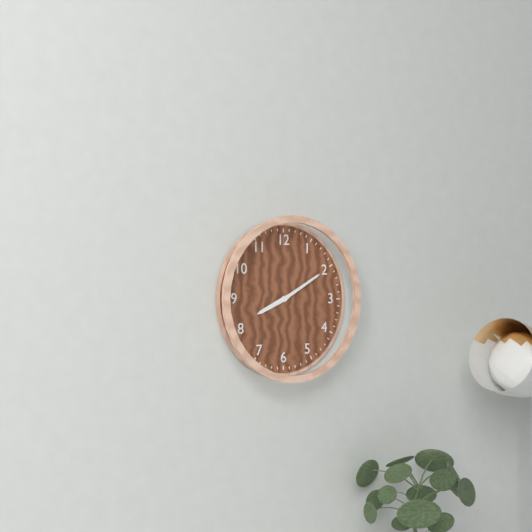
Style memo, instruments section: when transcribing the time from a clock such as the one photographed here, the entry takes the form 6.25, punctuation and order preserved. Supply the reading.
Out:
8.10
